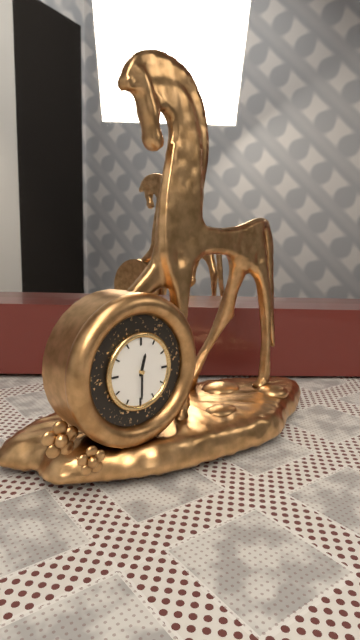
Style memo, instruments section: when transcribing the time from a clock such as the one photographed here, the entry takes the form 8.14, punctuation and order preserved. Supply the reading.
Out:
12.30
